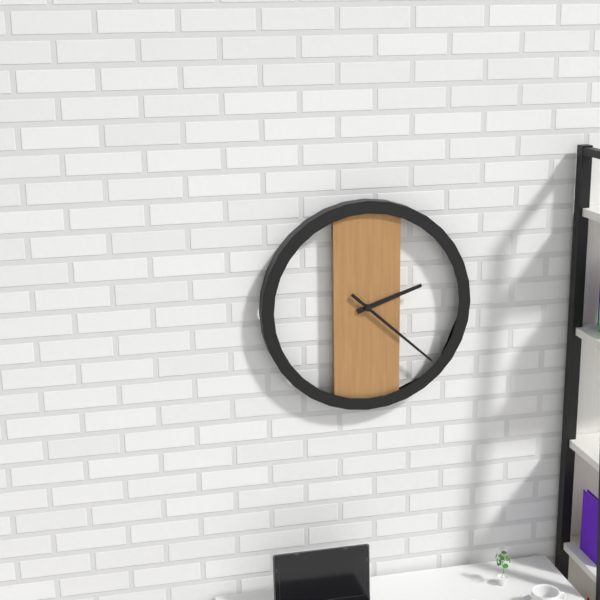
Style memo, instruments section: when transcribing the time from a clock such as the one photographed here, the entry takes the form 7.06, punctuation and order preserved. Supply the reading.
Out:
2.22
